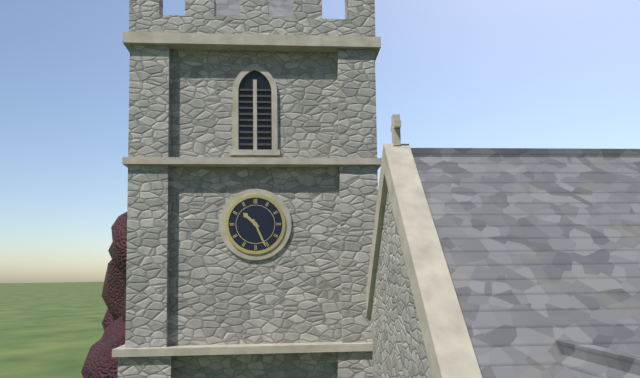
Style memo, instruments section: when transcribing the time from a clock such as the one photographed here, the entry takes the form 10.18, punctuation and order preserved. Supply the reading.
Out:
10.26
